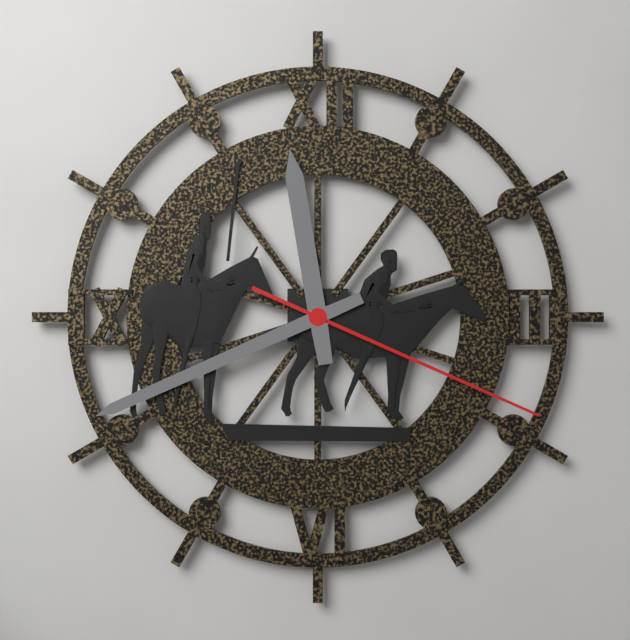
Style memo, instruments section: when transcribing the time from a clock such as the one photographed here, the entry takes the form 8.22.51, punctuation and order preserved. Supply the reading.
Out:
11.41.19
